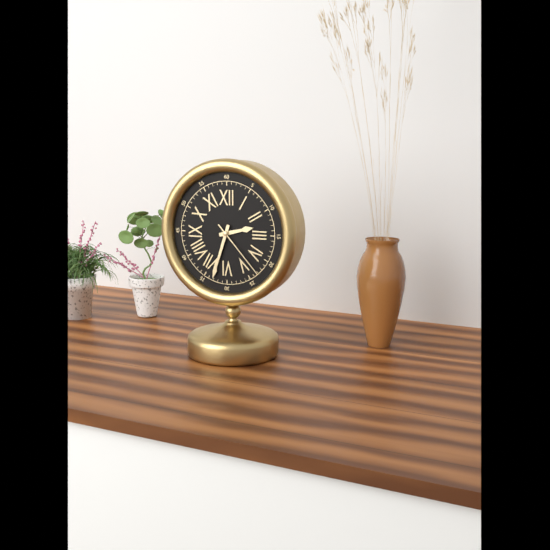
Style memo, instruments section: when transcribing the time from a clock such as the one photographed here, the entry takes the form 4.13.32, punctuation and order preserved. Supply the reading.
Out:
2.33.23
